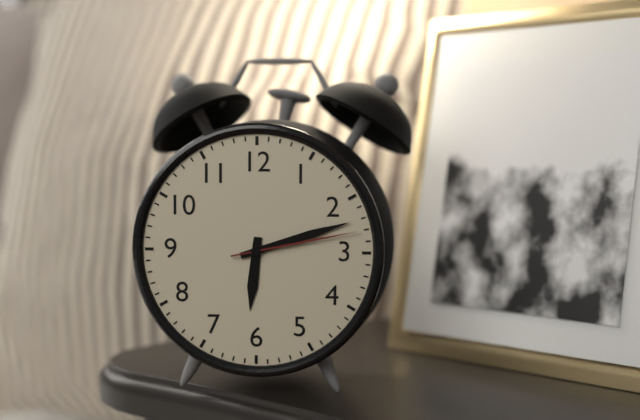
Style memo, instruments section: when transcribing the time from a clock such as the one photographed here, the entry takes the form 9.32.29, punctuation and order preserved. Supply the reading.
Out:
6.12.13
